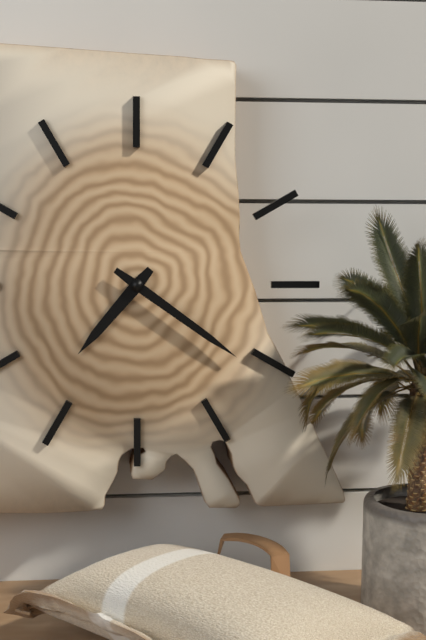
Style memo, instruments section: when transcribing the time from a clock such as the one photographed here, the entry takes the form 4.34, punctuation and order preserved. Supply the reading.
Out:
7.21
